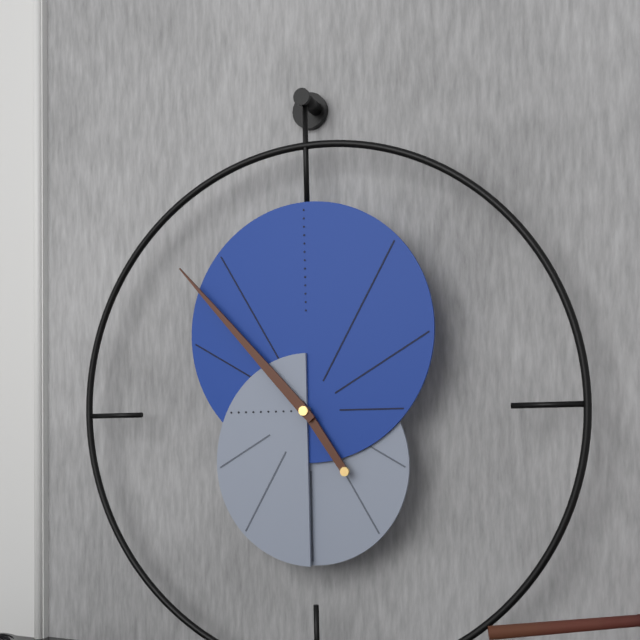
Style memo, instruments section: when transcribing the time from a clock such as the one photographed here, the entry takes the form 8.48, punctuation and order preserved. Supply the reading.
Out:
4.53
